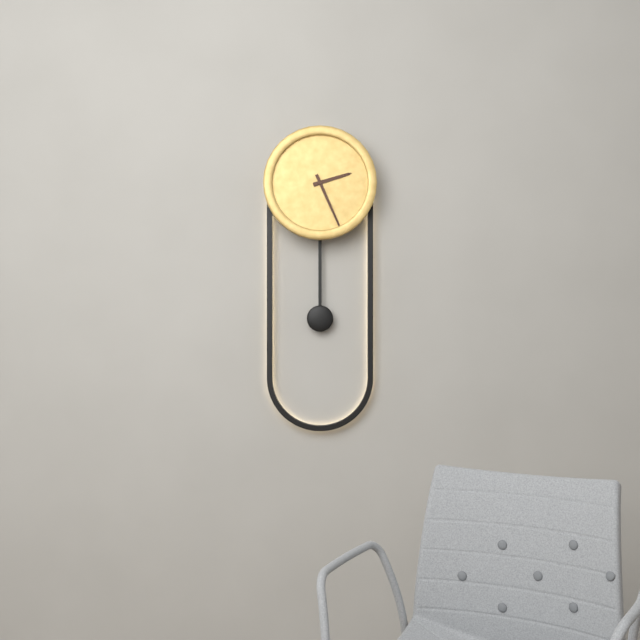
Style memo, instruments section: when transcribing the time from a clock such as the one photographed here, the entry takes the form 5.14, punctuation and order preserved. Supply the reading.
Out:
2.26
